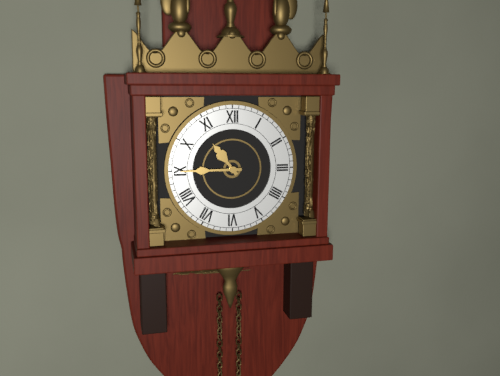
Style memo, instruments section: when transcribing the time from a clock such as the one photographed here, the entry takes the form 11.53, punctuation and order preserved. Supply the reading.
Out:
10.45
